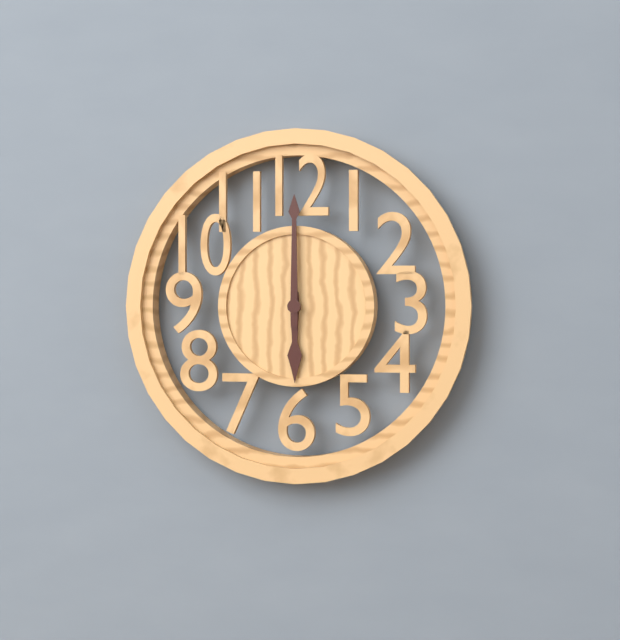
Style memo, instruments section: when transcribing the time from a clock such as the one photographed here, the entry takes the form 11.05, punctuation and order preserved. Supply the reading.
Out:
6.00
